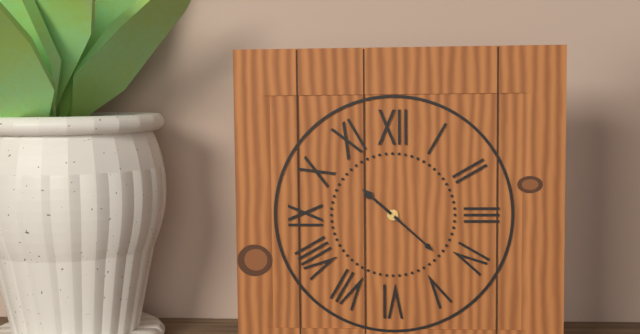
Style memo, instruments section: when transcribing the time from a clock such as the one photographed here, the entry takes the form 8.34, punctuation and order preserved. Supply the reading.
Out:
10.22
